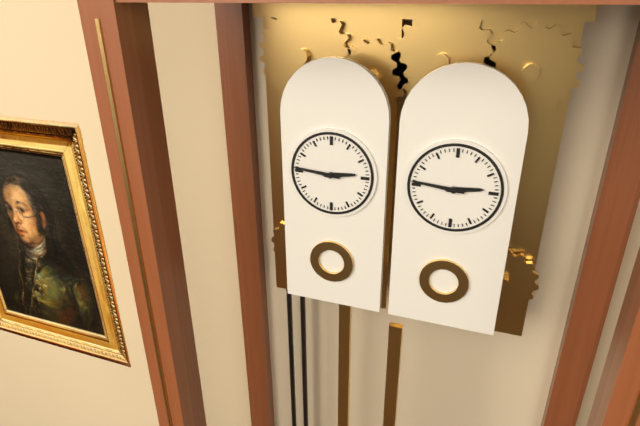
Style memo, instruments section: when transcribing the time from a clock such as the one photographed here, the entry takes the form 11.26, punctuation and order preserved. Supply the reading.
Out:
2.46
